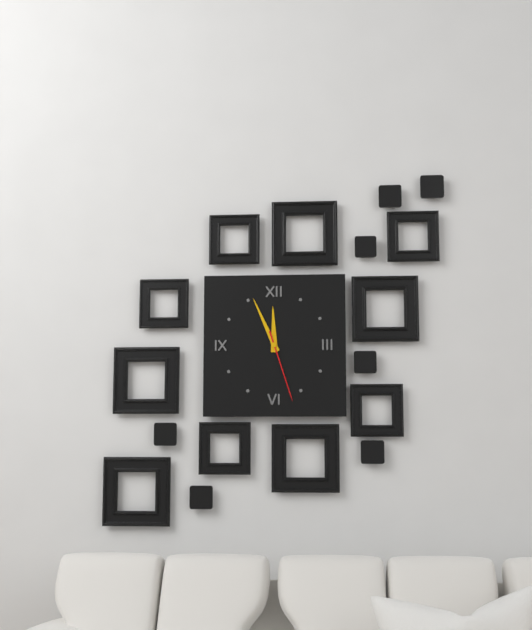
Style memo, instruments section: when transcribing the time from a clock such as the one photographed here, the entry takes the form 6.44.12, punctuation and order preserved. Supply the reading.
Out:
11.56.27
